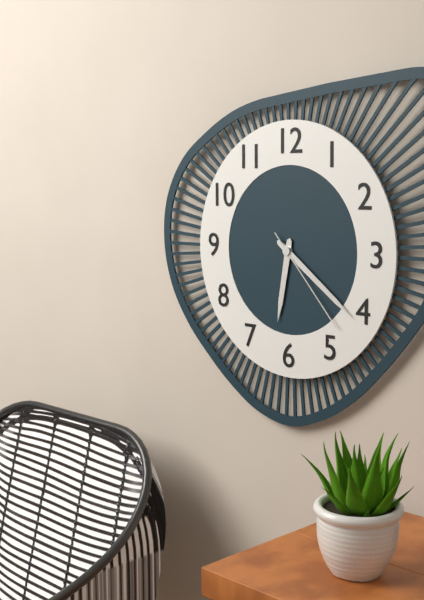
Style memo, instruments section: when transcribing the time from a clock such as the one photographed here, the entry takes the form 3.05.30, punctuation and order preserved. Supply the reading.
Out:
6.21.23
